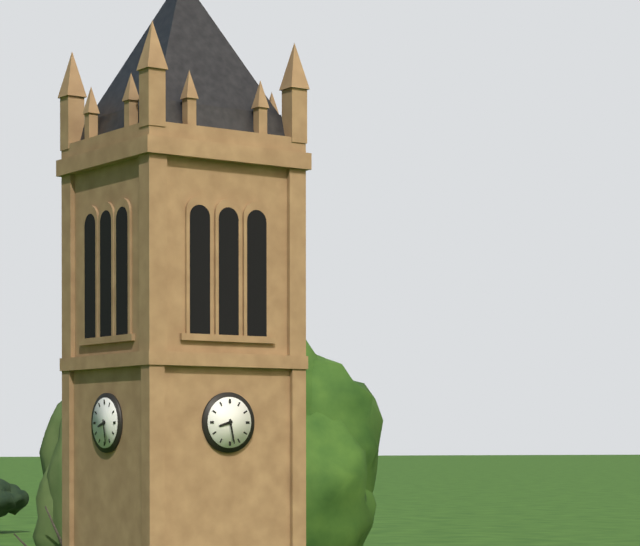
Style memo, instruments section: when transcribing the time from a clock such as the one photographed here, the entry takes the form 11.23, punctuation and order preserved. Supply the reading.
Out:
8.28
